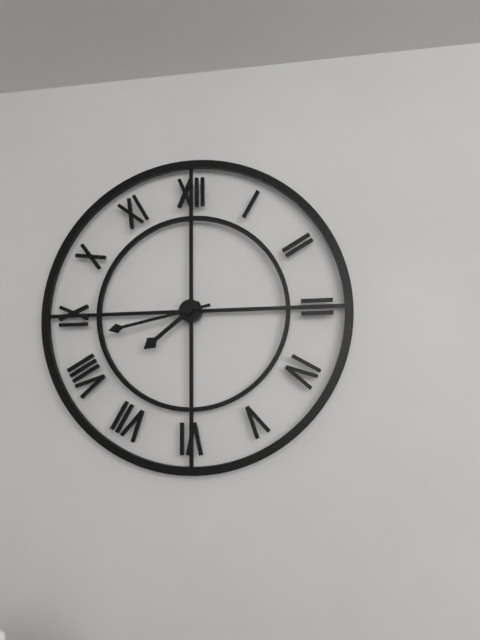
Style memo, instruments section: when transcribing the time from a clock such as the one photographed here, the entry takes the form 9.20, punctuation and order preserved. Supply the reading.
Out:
7.43
